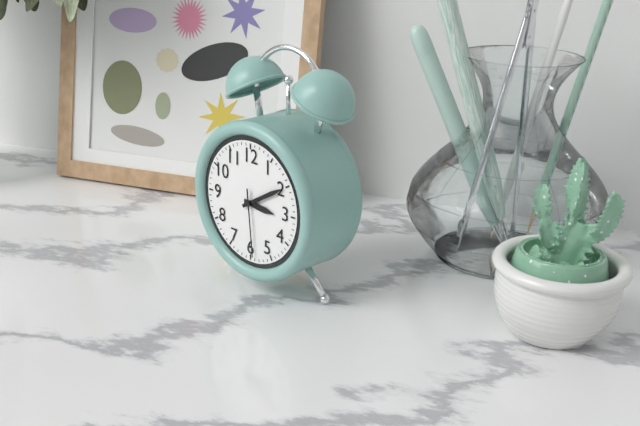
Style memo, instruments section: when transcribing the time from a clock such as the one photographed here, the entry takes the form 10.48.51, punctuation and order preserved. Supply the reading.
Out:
3.10.29
